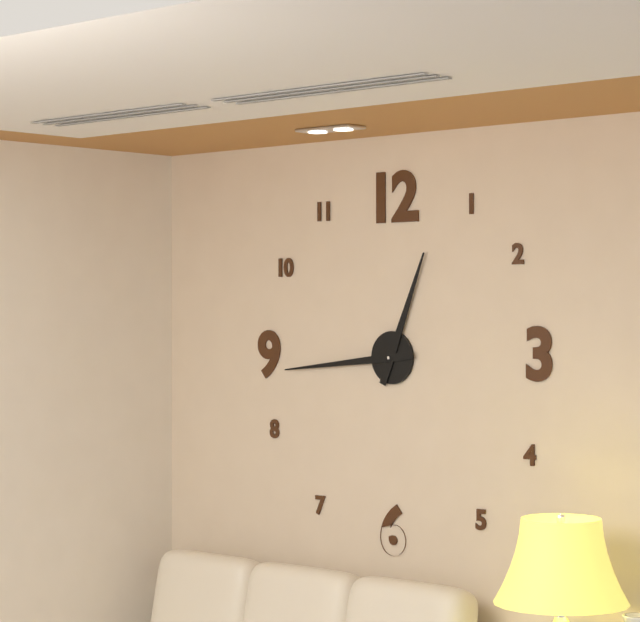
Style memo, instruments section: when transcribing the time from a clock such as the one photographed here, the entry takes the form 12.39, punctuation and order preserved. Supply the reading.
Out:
12.44
